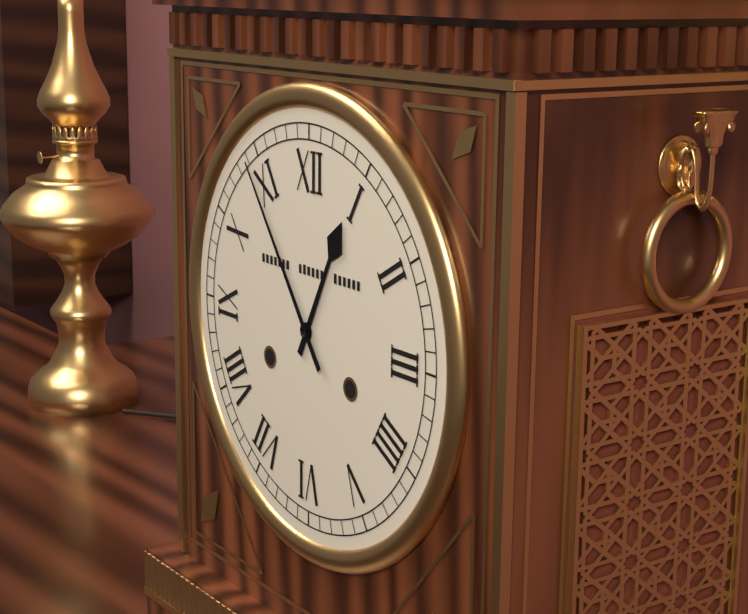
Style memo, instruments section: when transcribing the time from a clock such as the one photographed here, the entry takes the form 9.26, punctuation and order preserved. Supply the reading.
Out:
12.54
